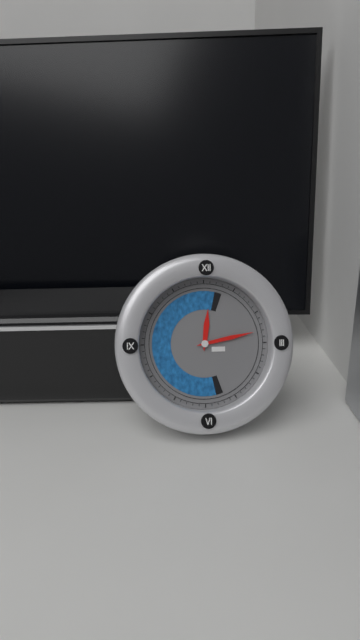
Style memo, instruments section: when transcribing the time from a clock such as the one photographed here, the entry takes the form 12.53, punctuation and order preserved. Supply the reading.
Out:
12.13
